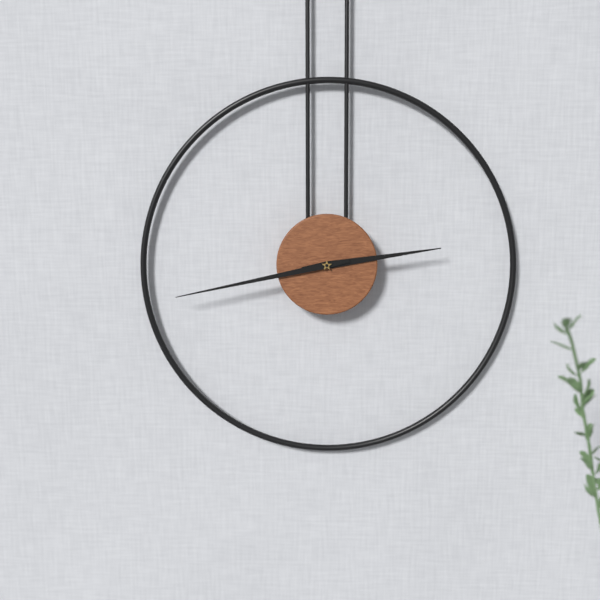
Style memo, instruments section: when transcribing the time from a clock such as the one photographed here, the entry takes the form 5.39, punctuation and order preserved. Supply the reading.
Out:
2.43
